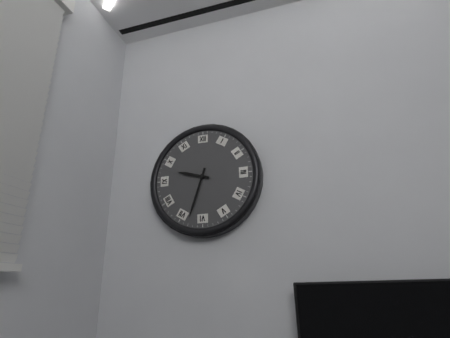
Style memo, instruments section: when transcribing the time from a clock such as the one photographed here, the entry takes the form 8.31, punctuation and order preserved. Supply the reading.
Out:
9.33
